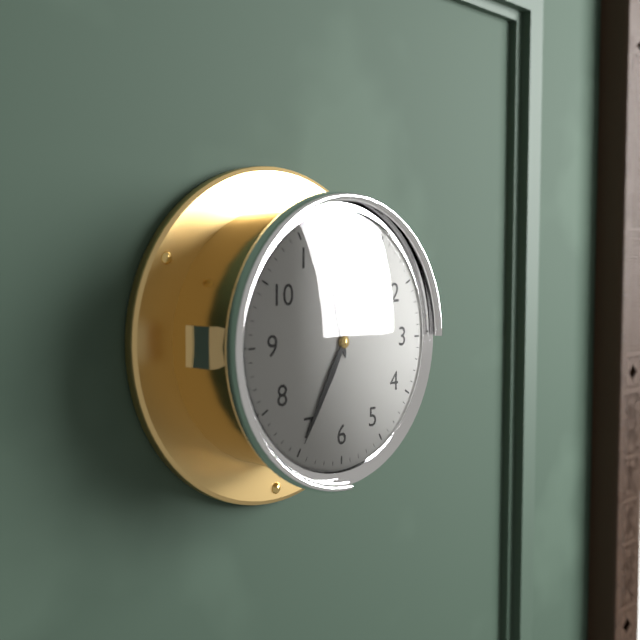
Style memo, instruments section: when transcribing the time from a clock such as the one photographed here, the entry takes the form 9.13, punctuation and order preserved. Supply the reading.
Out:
11.35
